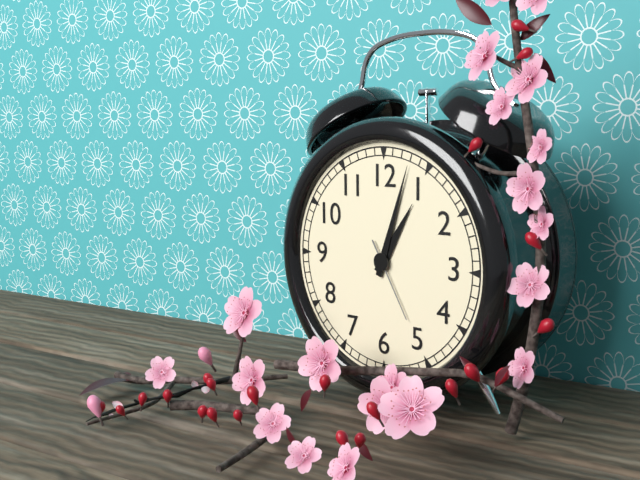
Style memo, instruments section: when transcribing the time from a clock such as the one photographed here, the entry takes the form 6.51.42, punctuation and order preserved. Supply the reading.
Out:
1.03.25
